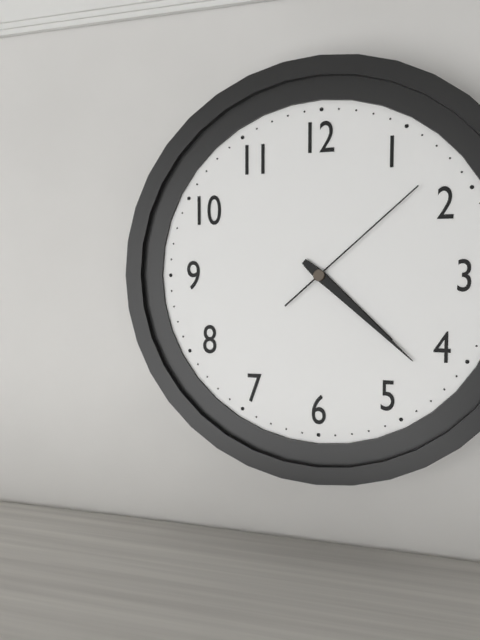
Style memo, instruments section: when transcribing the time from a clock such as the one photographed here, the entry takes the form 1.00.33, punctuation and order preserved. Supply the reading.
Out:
4.22.08
